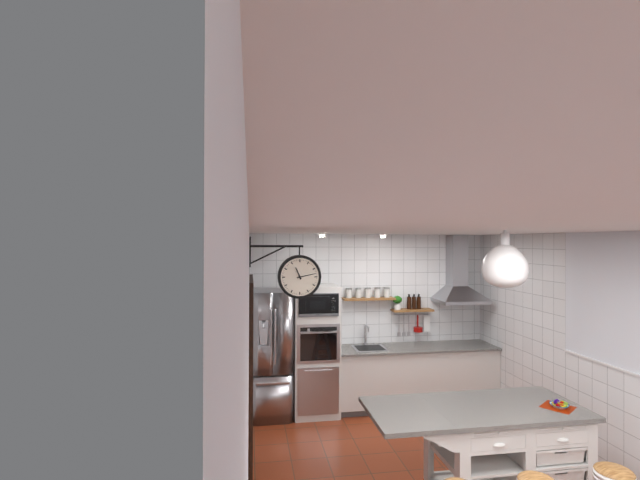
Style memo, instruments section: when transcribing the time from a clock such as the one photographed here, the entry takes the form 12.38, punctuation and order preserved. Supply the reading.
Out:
11.13
